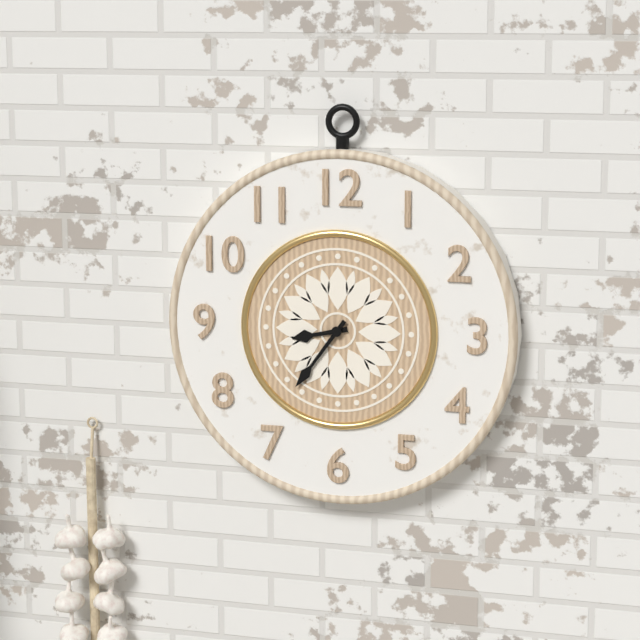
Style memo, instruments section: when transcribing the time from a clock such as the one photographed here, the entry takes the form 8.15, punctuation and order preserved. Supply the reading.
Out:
8.36
